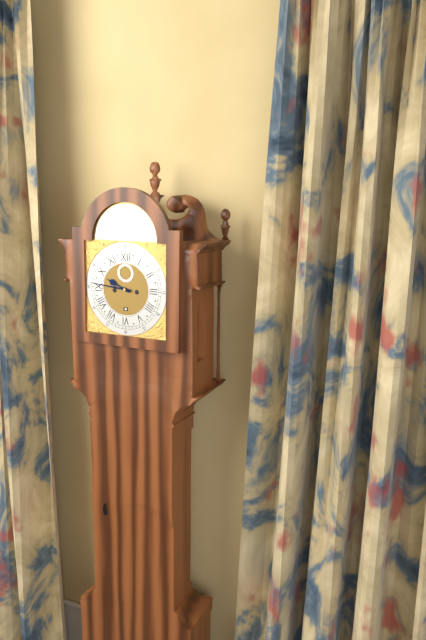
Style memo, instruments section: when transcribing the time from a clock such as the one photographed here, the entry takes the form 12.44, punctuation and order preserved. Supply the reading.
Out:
9.46
